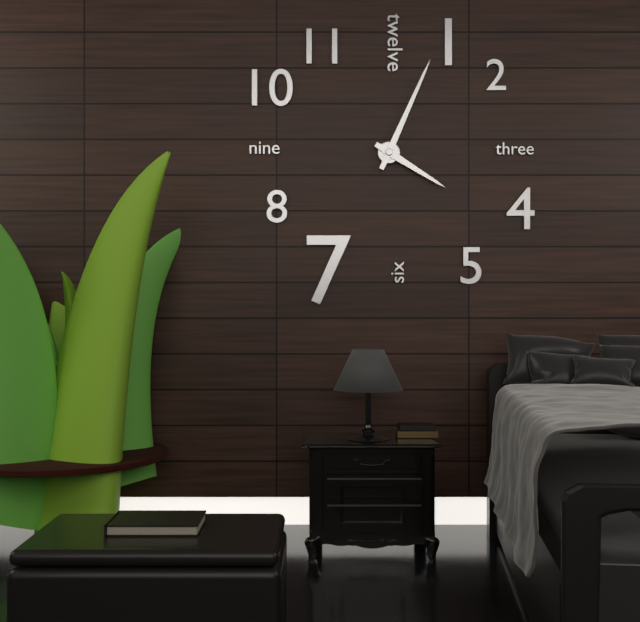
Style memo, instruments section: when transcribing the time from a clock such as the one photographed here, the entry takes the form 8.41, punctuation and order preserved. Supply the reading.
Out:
4.04
